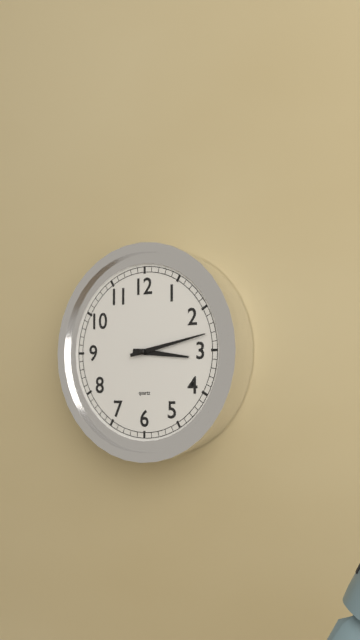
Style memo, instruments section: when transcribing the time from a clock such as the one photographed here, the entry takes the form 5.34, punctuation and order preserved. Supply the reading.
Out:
3.13
